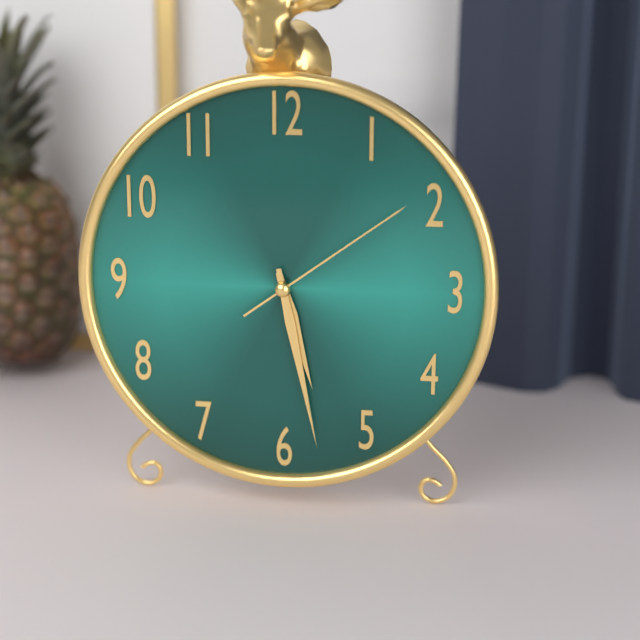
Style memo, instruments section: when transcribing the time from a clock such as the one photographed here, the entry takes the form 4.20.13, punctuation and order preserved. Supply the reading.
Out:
5.28.09
